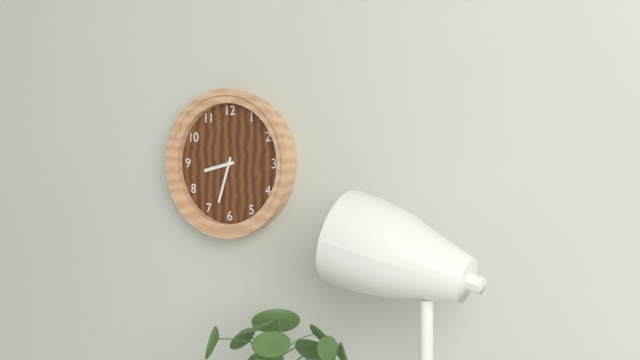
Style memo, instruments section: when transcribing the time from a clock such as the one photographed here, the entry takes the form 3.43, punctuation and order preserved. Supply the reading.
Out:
8.33
